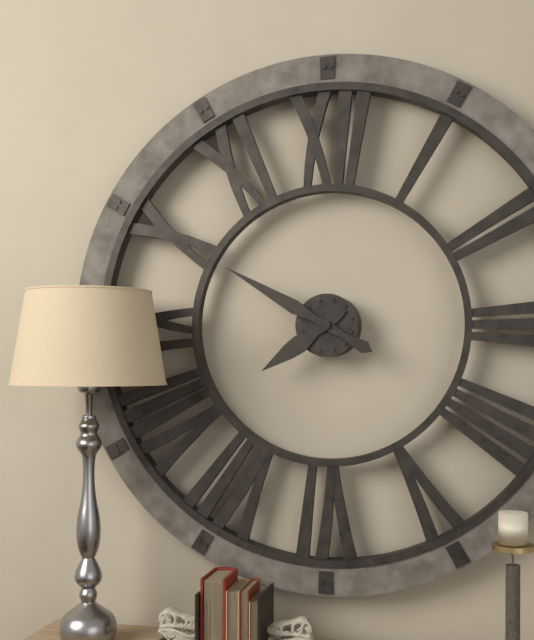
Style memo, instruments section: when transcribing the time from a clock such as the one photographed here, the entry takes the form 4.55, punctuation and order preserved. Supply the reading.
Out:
7.50
